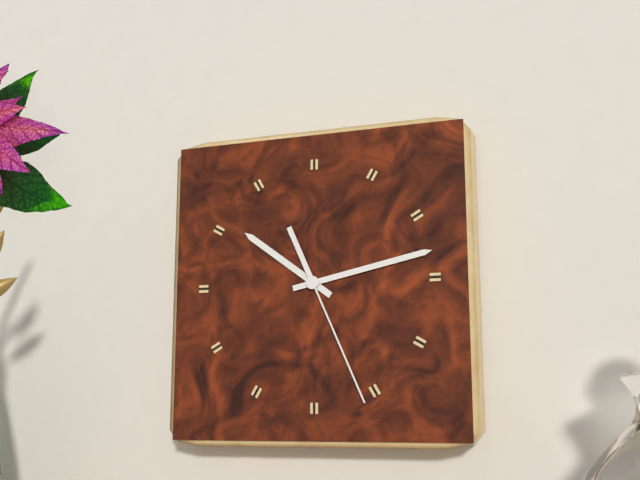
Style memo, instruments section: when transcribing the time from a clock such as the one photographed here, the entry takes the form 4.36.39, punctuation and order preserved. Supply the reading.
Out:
10.13.26
